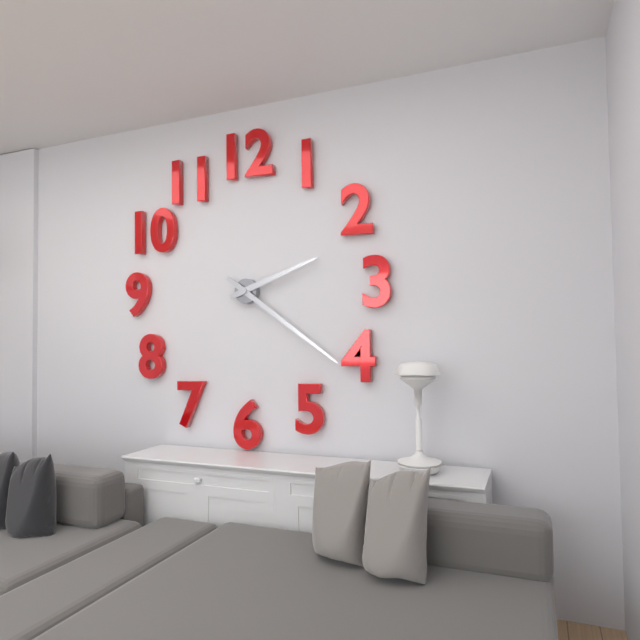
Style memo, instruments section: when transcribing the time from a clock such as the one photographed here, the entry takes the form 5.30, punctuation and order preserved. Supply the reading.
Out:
2.21
